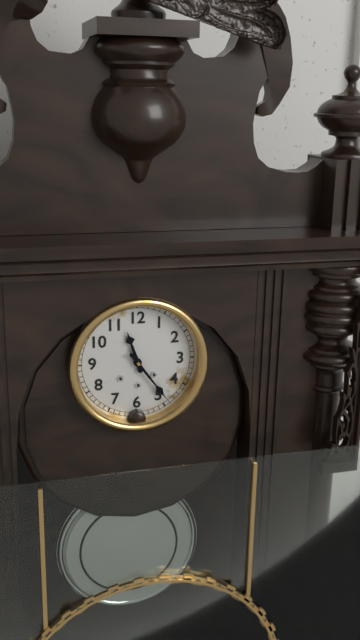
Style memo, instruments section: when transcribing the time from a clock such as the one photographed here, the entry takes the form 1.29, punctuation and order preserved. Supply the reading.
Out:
11.24
